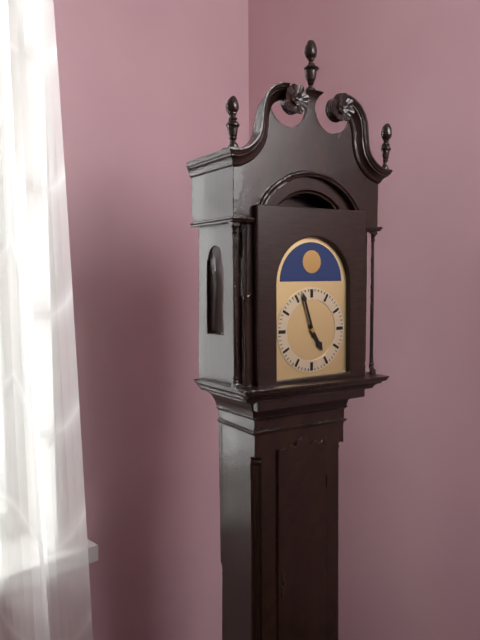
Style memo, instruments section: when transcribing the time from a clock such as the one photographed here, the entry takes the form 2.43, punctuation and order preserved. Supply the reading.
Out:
4.57
